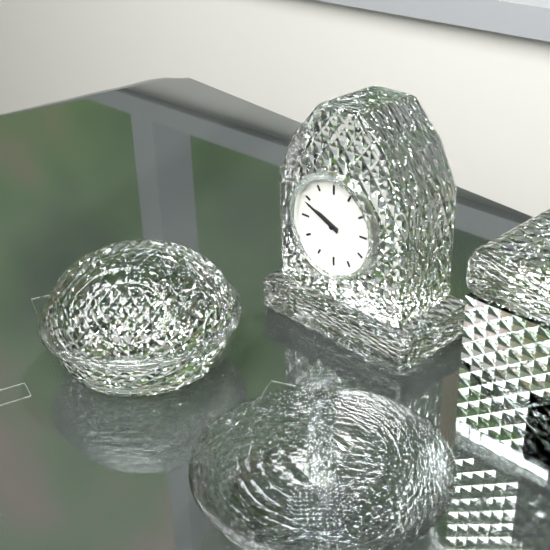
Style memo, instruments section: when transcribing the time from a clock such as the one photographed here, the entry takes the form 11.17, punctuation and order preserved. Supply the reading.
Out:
9.49
